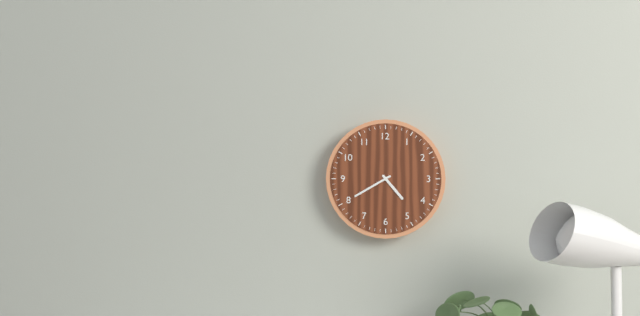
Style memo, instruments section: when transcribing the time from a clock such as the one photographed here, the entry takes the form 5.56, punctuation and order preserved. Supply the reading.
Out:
4.40
